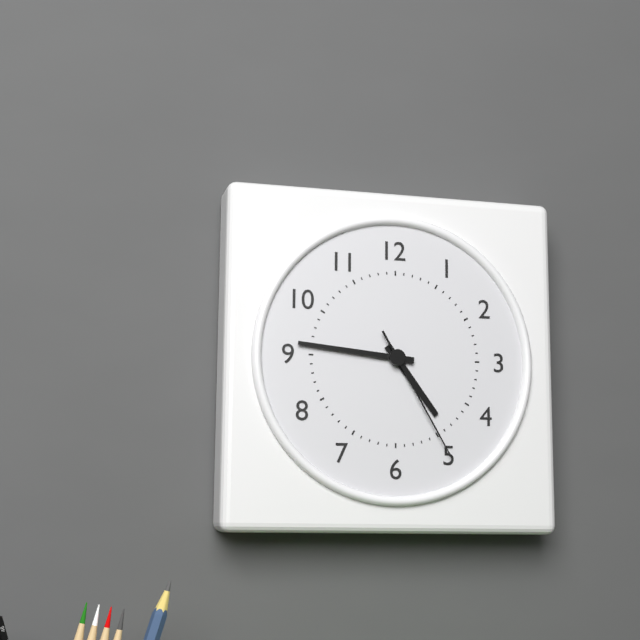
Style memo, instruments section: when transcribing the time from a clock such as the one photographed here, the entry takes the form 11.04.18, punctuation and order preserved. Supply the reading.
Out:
4.46.25
